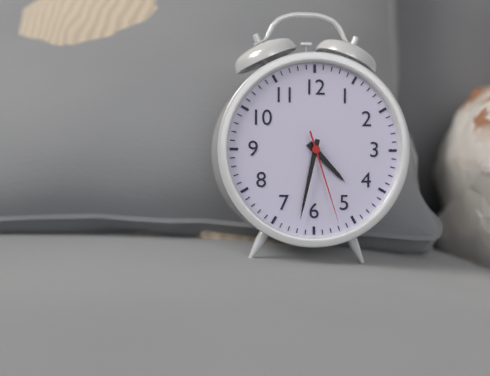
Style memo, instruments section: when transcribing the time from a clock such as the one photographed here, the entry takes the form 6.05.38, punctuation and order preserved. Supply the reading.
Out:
4.32.27
